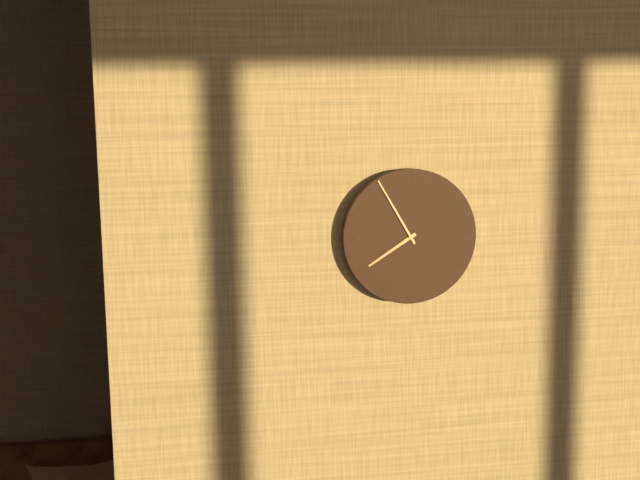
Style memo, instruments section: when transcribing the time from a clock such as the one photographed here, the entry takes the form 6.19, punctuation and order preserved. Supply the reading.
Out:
7.55
